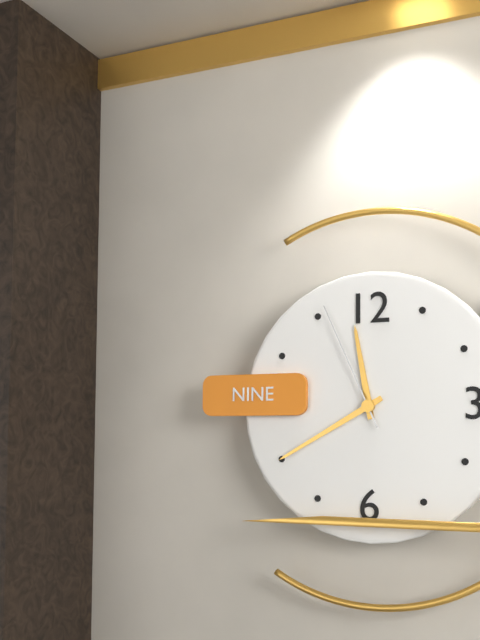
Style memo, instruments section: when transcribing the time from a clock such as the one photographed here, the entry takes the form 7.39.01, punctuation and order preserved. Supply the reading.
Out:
11.40.56
